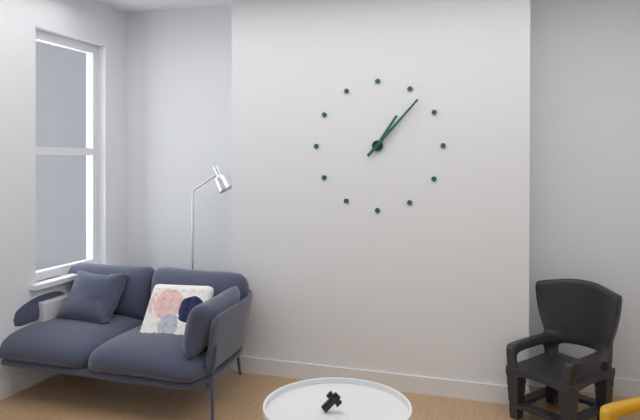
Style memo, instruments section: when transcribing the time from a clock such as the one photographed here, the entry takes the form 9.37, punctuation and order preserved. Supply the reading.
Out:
1.07
